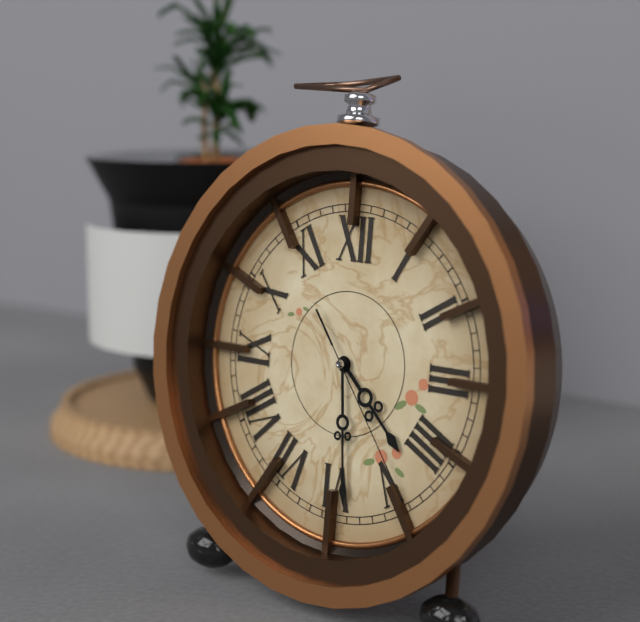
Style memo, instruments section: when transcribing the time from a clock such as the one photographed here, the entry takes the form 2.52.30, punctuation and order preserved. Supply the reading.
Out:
4.29.24
